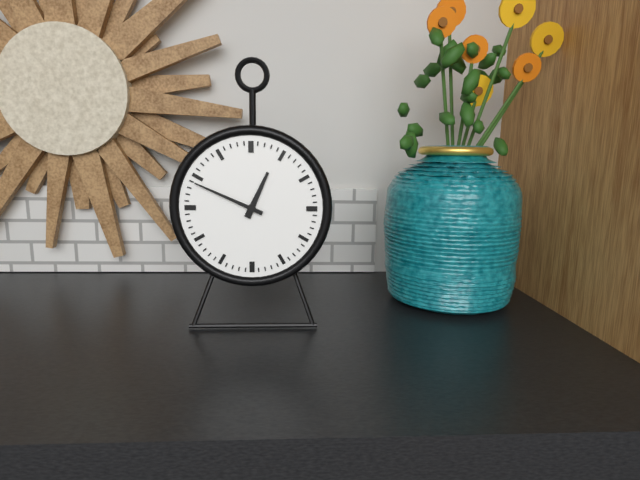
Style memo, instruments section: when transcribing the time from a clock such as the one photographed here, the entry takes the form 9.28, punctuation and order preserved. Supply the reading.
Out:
12.49
